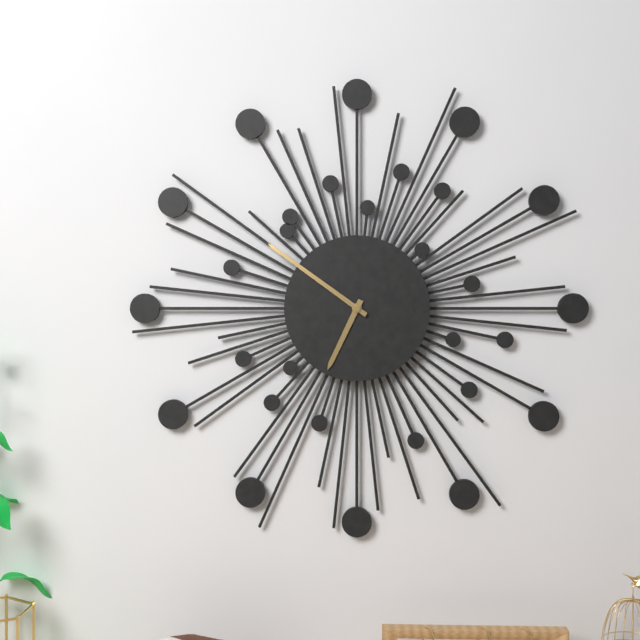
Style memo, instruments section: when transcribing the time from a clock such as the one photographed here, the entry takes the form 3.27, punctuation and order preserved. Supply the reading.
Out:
6.51
